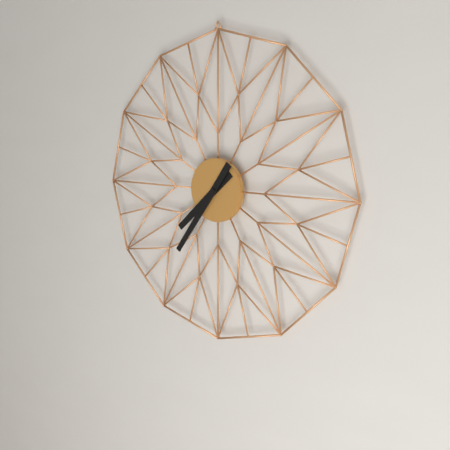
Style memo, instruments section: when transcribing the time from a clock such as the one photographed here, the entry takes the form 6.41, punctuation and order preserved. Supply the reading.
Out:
7.36
